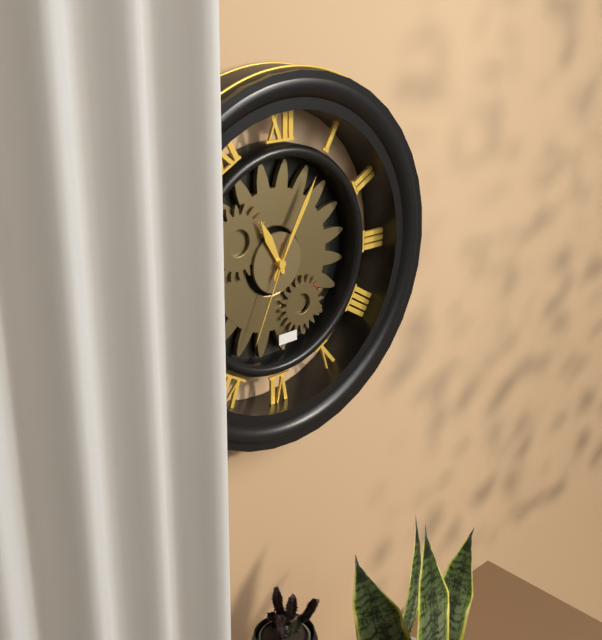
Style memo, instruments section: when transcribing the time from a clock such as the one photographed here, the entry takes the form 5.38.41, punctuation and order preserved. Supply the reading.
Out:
11.05.34
